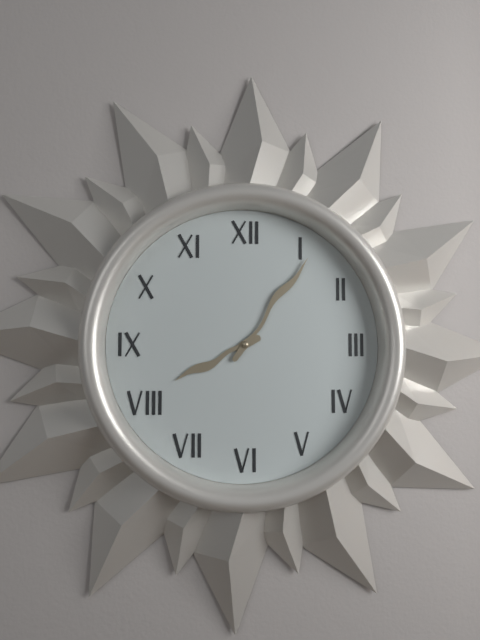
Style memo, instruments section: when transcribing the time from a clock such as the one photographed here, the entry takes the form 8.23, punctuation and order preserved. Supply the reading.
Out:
8.06
